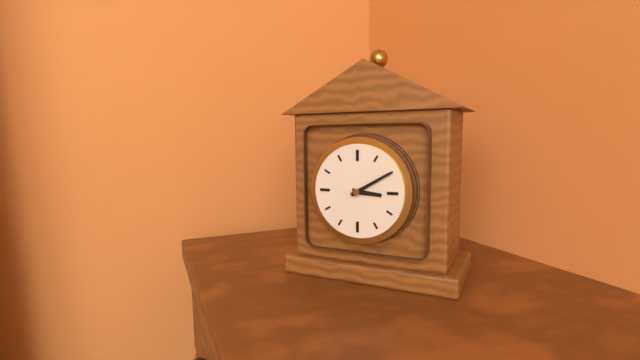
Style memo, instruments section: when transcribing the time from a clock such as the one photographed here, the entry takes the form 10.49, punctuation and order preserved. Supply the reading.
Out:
3.10
